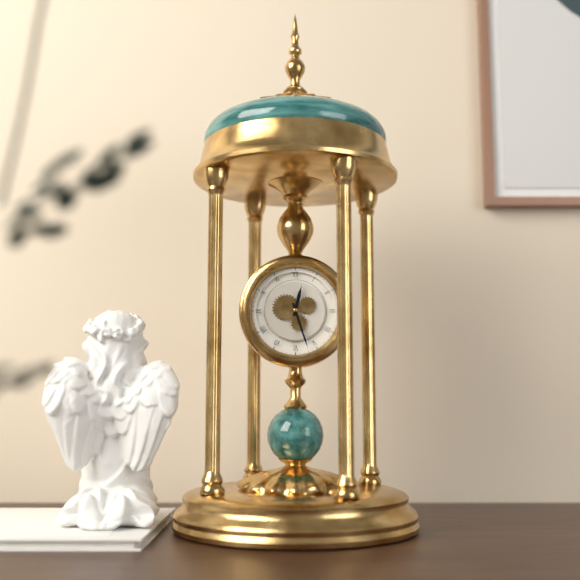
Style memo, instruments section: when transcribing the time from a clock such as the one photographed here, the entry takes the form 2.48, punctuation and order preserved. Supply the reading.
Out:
12.27
